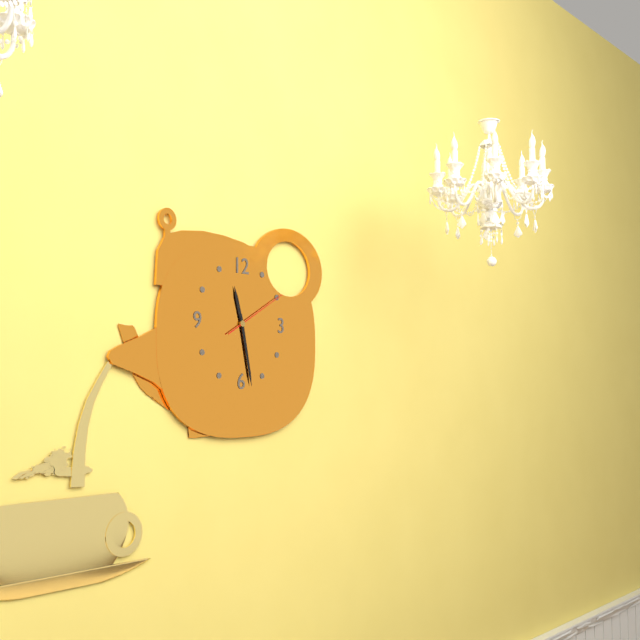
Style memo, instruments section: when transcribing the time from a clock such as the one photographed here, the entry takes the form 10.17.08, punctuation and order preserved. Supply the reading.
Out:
11.28.10
